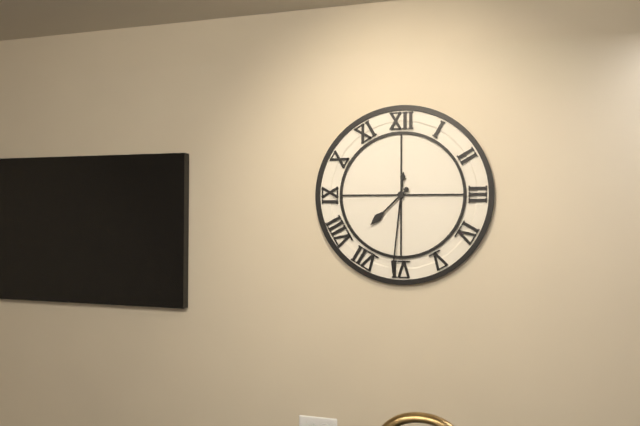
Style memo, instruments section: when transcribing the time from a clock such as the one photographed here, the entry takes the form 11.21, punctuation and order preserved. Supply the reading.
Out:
7.31
